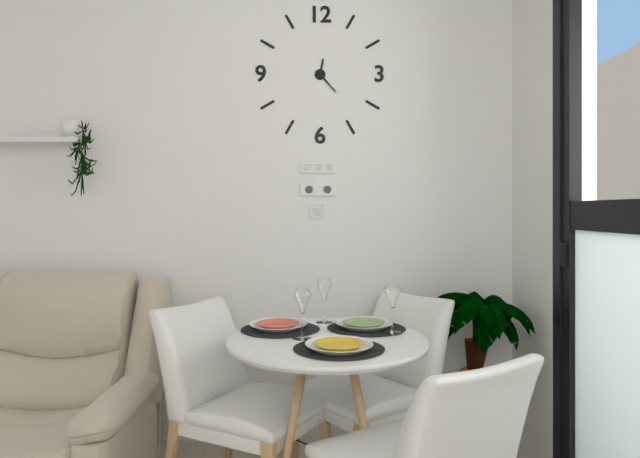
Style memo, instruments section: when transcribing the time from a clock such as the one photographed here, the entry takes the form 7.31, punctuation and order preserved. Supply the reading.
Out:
12.23
